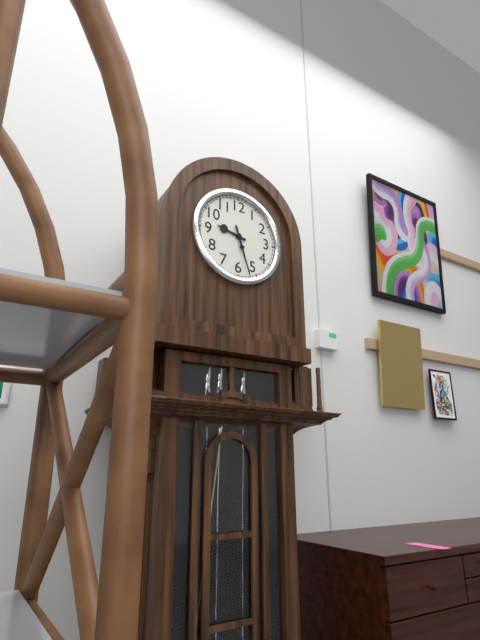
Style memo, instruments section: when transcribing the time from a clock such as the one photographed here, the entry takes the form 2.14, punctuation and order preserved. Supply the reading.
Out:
9.27
